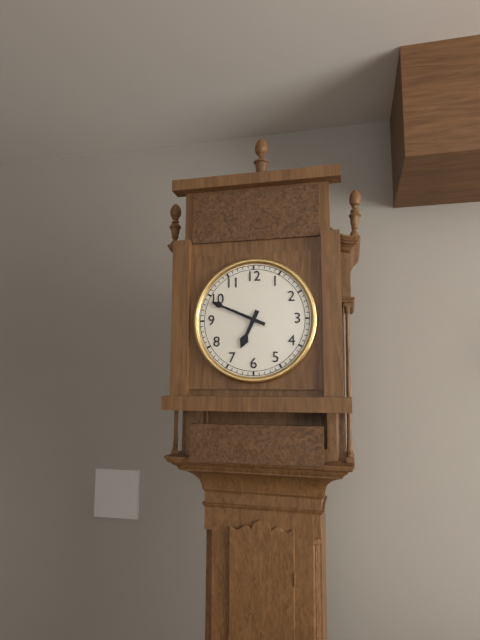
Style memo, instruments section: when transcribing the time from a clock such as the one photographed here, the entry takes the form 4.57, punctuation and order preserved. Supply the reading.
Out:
6.49
